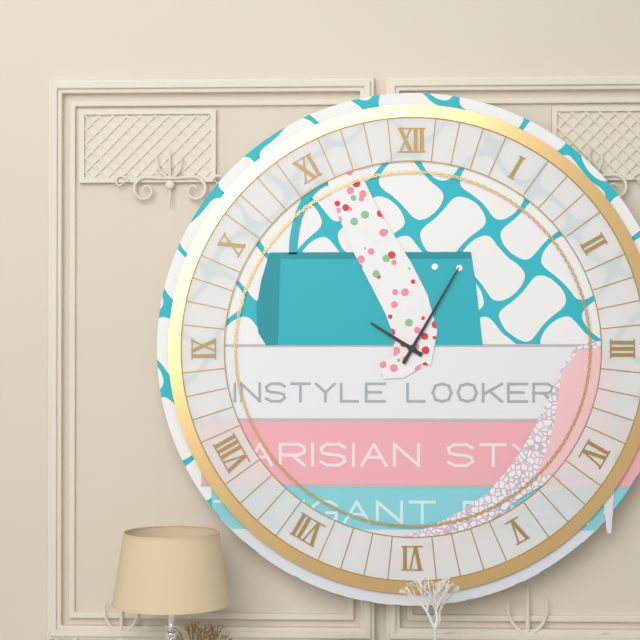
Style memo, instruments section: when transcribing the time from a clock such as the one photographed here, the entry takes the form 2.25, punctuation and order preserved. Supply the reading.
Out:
10.05
